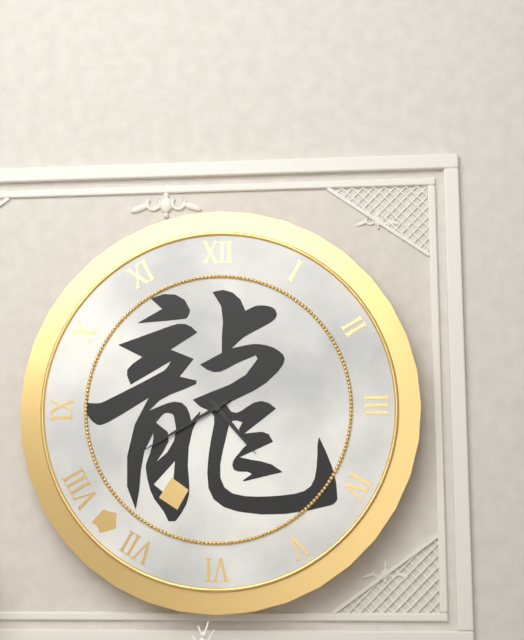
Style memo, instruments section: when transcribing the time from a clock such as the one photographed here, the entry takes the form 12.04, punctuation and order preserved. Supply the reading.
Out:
4.40
